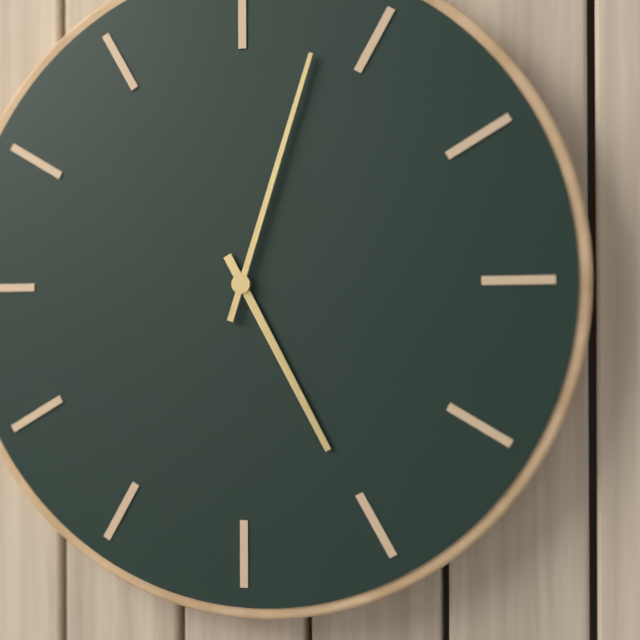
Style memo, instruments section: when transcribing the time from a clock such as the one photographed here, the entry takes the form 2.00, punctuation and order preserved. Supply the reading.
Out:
5.03
